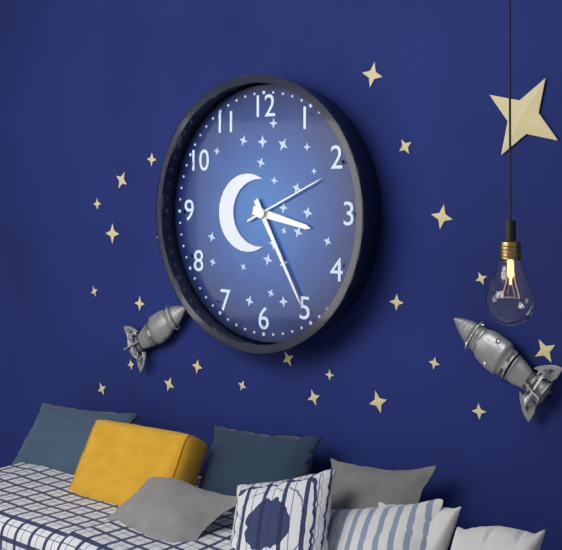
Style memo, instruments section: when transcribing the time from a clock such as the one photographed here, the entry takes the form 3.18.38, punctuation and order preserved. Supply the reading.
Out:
3.25.11
